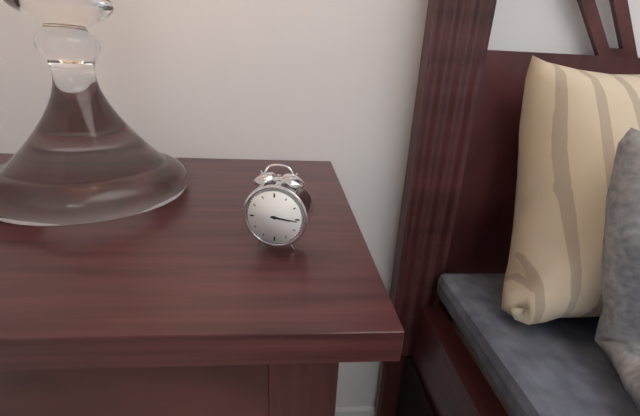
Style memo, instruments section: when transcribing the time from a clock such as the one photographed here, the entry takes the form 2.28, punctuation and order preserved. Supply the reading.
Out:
3.16
